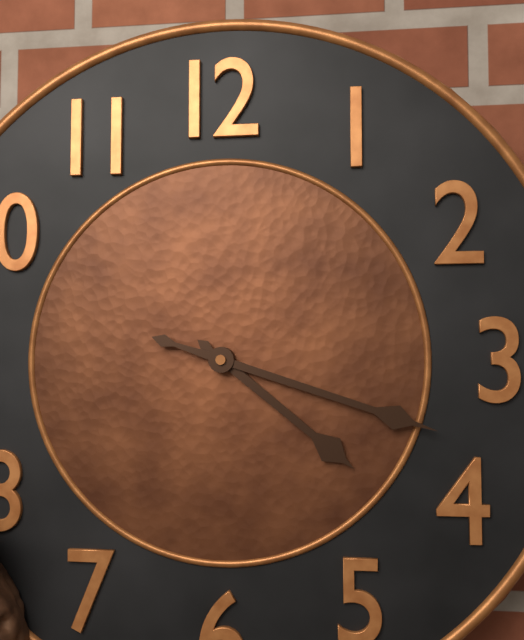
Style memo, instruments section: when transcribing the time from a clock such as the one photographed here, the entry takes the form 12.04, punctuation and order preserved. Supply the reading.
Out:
4.18
